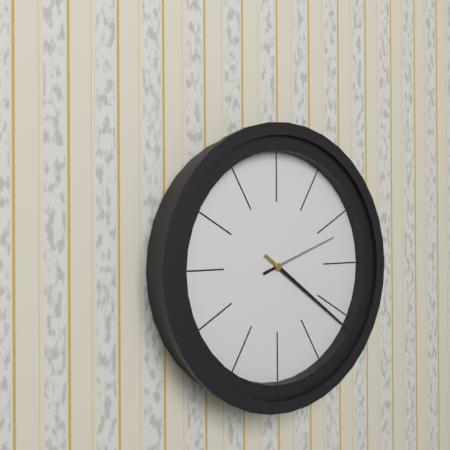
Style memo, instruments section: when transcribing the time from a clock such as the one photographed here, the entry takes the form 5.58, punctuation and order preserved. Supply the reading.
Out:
2.21
